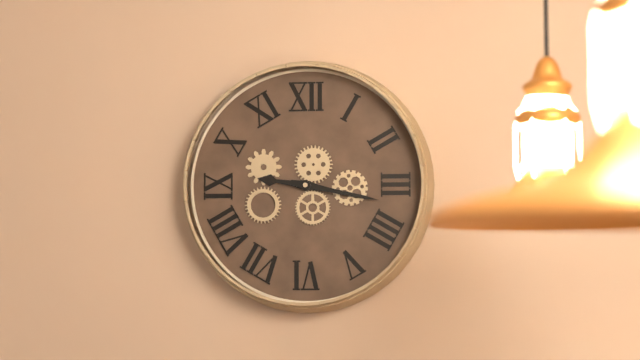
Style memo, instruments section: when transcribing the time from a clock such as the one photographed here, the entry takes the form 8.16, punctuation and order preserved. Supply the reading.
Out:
9.17
